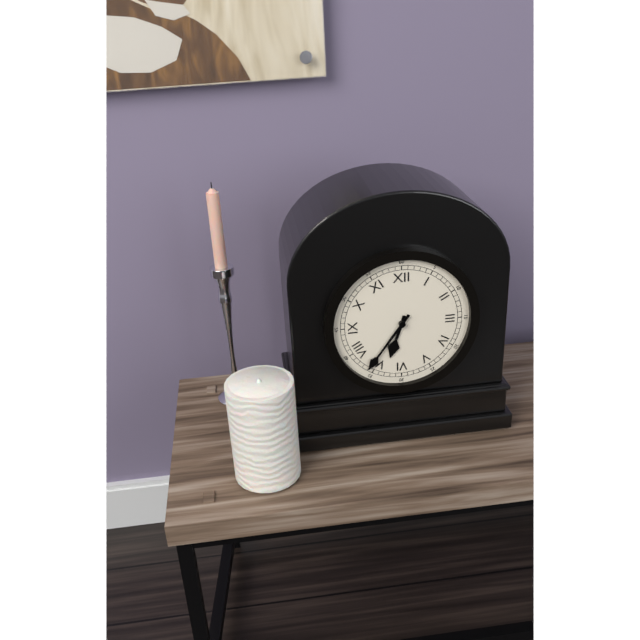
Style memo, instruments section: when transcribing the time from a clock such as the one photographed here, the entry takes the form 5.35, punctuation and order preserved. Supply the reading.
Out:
6.36
